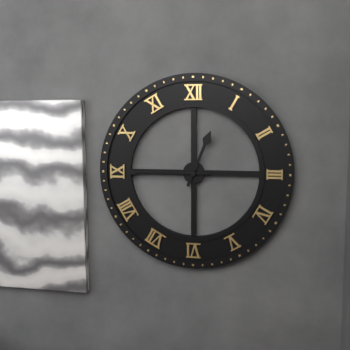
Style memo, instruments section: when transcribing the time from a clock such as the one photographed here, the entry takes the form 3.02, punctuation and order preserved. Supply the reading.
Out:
12.45
